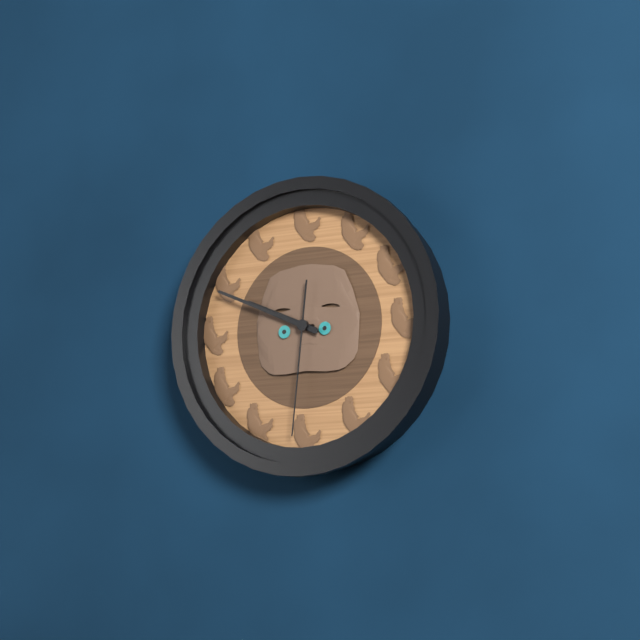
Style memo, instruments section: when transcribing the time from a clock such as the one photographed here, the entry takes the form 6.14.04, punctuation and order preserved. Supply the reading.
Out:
9.49.31
